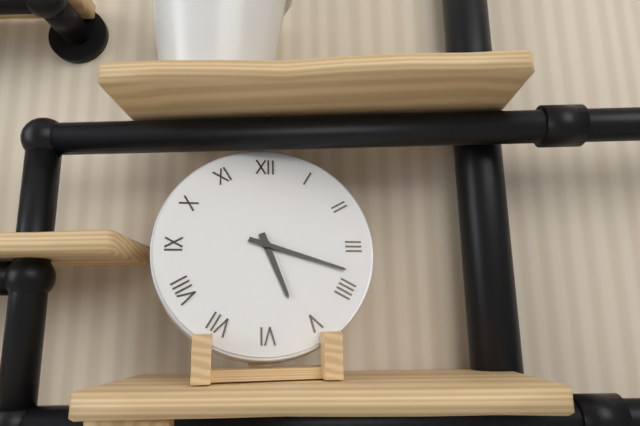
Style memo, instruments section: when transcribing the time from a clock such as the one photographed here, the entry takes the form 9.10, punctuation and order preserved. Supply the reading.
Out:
5.18
